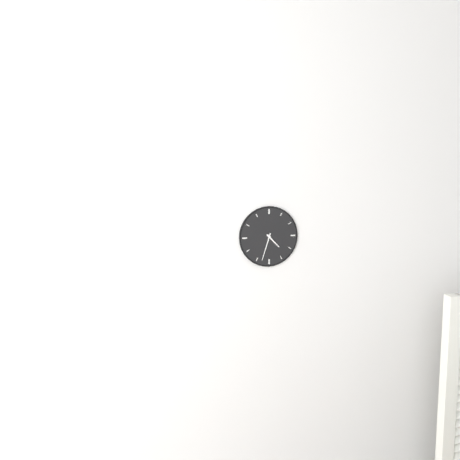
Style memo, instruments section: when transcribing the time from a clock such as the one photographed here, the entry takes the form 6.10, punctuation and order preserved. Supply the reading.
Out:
4.33
